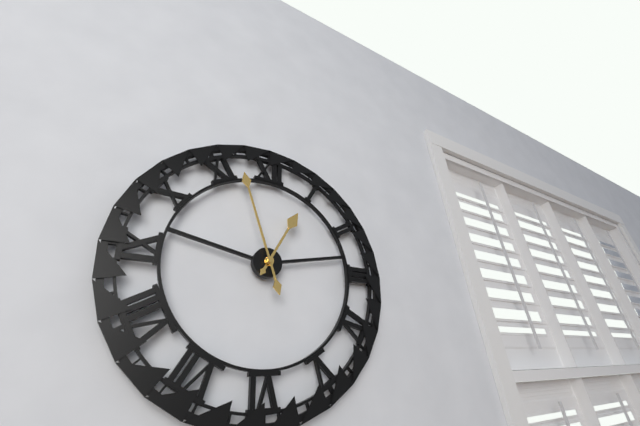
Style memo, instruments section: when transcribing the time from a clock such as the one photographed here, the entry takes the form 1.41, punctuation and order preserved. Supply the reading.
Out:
12.57
